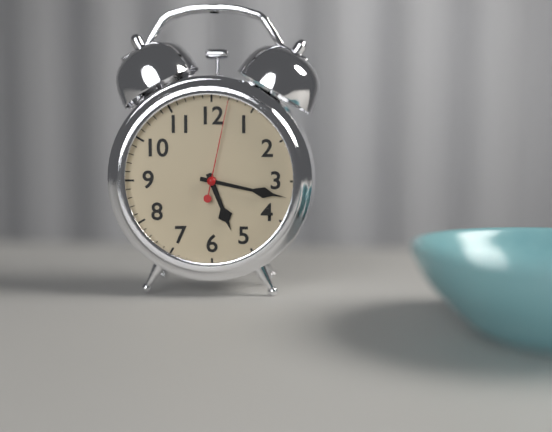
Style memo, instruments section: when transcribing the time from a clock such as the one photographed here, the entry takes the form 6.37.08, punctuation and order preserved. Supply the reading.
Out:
5.17.02
